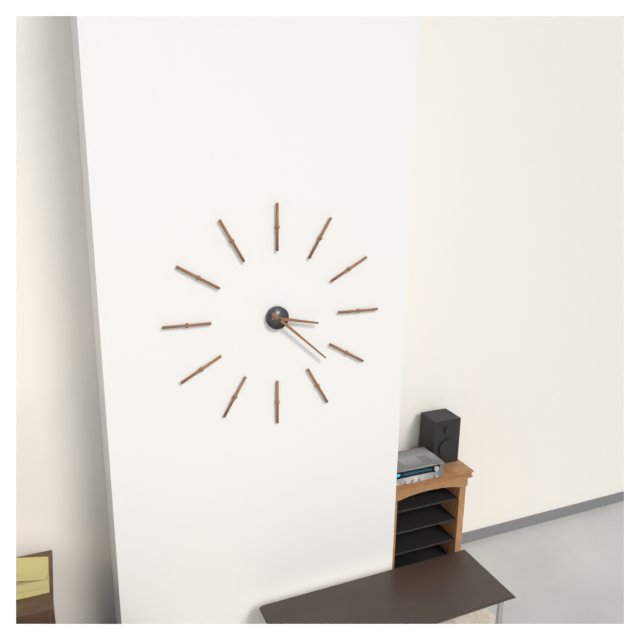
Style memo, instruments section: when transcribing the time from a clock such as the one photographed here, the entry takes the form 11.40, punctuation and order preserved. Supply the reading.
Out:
3.22
